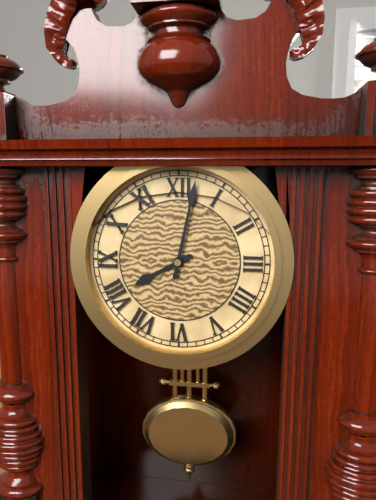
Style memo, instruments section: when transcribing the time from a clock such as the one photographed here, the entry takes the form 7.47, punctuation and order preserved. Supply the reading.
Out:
8.02
